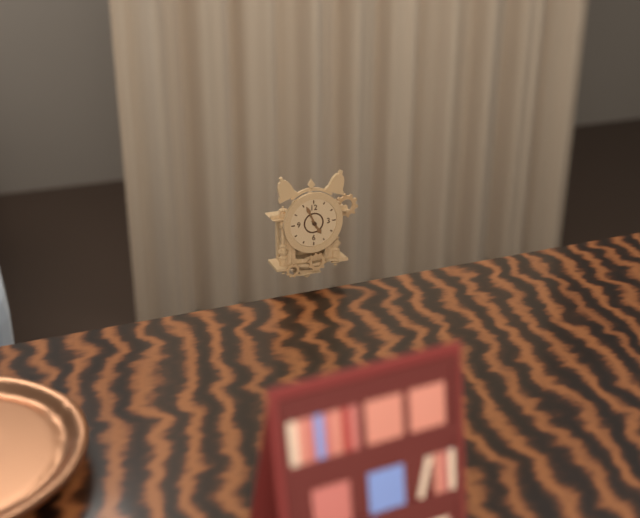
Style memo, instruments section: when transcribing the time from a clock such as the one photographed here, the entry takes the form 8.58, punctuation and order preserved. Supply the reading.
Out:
4.56
